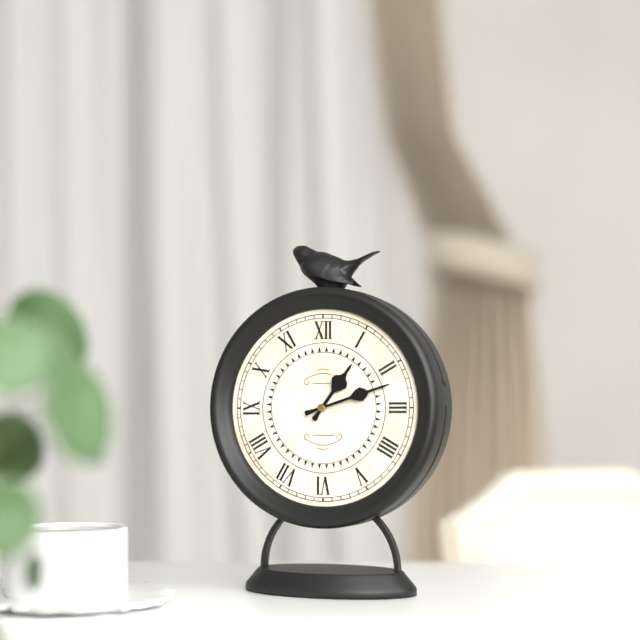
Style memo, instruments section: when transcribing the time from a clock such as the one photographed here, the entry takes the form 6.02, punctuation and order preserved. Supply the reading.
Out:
1.12
